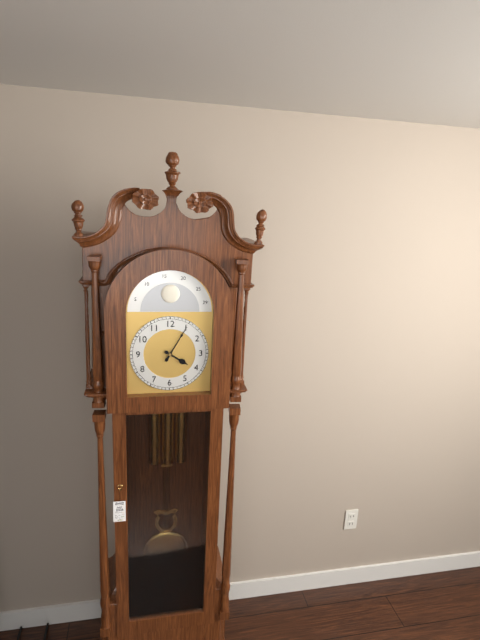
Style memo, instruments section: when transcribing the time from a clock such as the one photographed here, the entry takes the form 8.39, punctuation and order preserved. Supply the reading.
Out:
4.05
